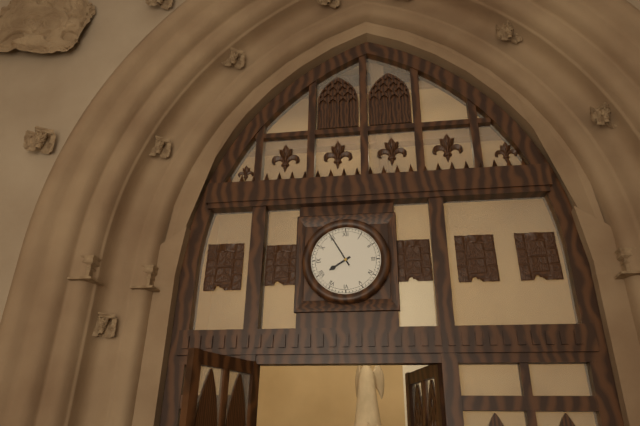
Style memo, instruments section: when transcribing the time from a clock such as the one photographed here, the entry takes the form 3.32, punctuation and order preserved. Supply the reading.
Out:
7.55
